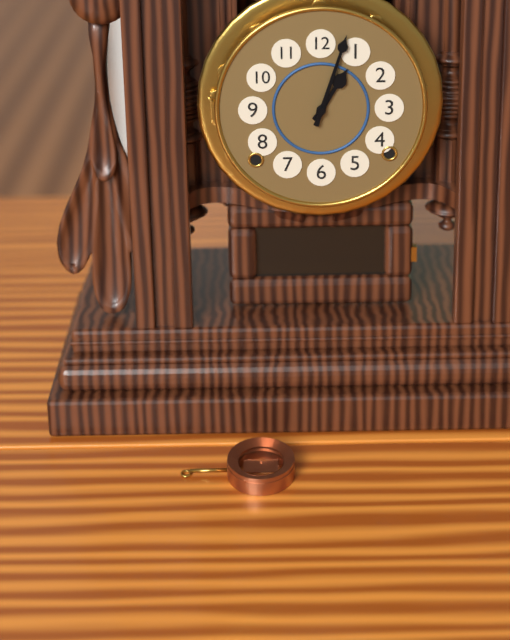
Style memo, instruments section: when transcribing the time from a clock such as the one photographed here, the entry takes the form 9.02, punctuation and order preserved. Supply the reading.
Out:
1.03
